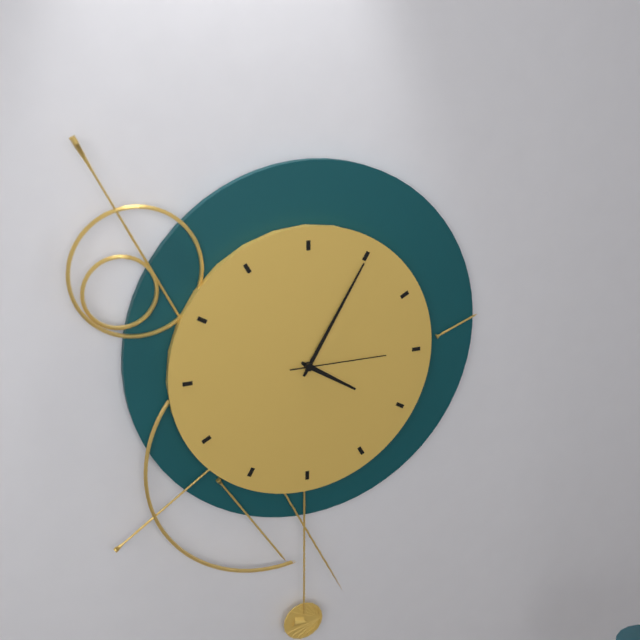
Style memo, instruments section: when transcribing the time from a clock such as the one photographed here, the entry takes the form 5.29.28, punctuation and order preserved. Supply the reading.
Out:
4.05.15
